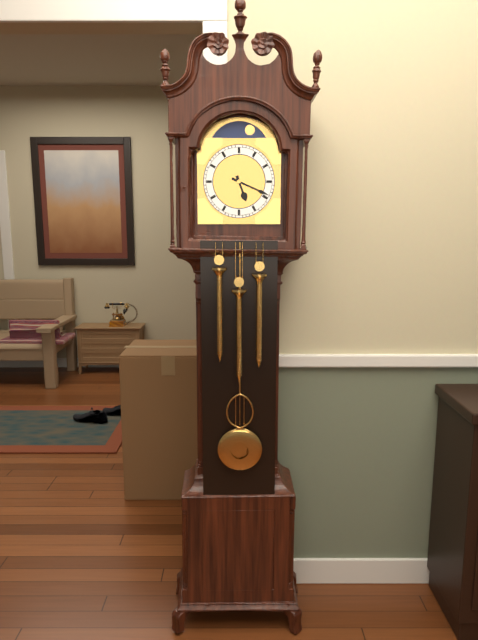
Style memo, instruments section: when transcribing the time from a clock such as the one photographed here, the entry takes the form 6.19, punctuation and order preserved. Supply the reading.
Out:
5.19
